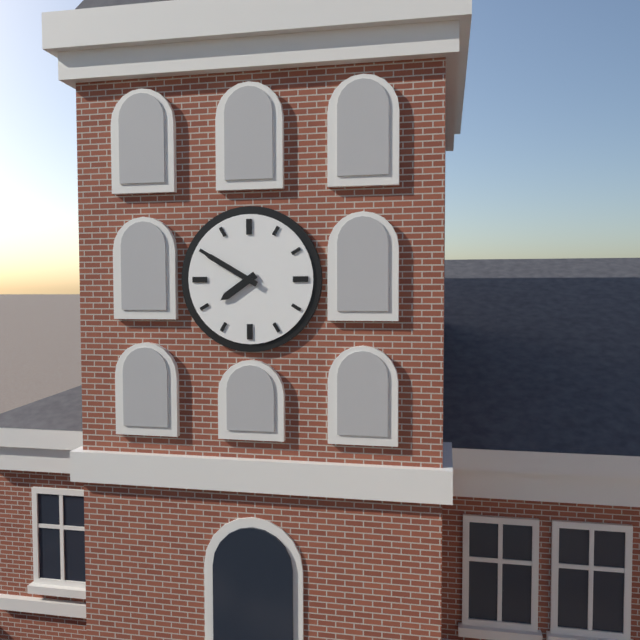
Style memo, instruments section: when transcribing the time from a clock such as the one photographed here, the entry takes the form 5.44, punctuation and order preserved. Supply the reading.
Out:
7.50
